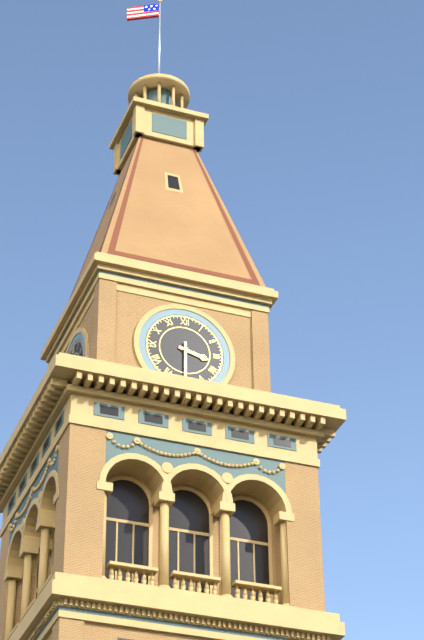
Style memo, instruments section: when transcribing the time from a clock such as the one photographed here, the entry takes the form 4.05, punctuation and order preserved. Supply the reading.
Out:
3.30
